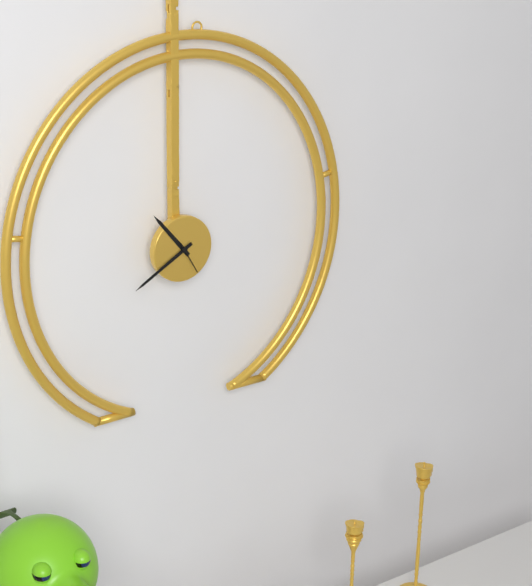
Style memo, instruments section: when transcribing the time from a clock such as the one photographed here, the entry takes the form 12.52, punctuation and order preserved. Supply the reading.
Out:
10.40
